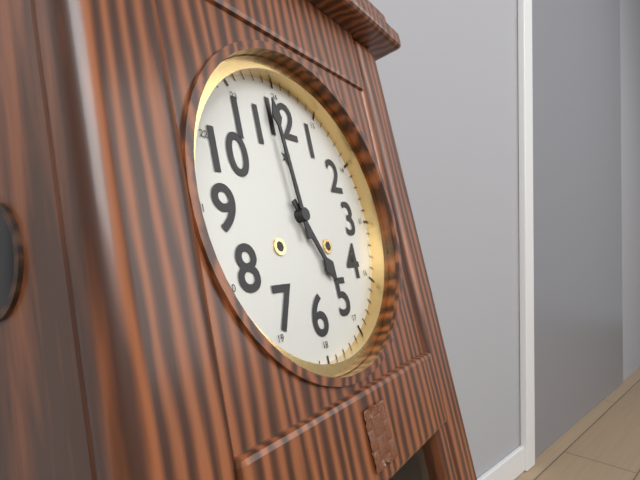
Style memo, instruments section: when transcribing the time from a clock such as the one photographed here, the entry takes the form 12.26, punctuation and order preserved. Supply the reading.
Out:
4.59
